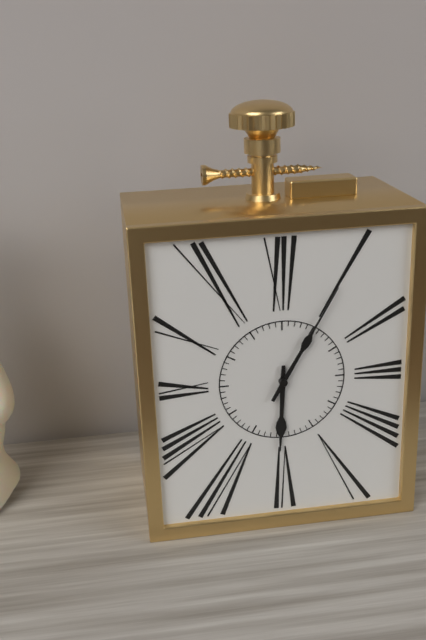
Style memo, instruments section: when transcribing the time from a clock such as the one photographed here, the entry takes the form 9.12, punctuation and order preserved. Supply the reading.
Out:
6.05
